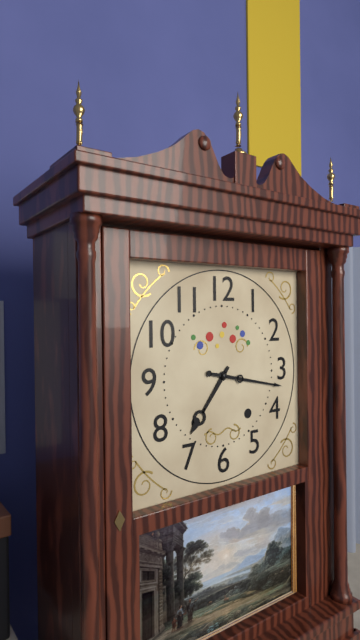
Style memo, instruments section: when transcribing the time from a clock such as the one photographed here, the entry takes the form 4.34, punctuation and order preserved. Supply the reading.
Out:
7.17
